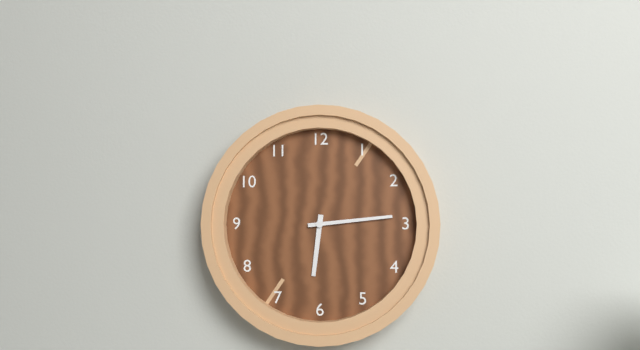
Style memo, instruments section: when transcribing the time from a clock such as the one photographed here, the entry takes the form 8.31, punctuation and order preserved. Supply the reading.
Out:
6.14
